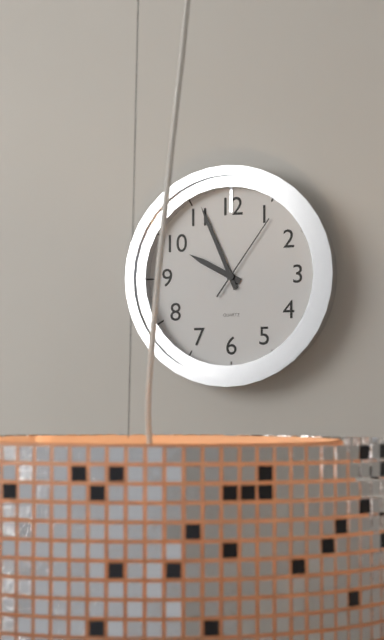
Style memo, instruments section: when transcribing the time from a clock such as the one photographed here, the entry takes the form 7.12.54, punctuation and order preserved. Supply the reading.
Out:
9.56.06
